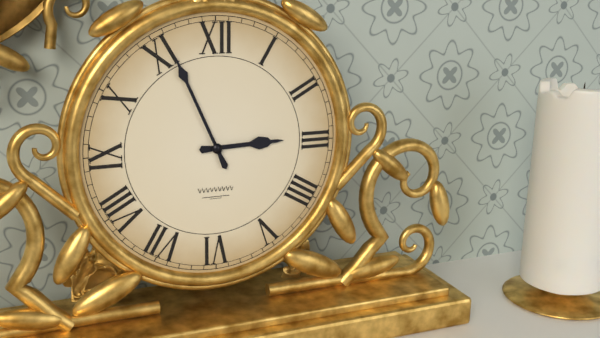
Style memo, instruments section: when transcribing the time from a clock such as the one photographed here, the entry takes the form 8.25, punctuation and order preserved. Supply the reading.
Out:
2.56
